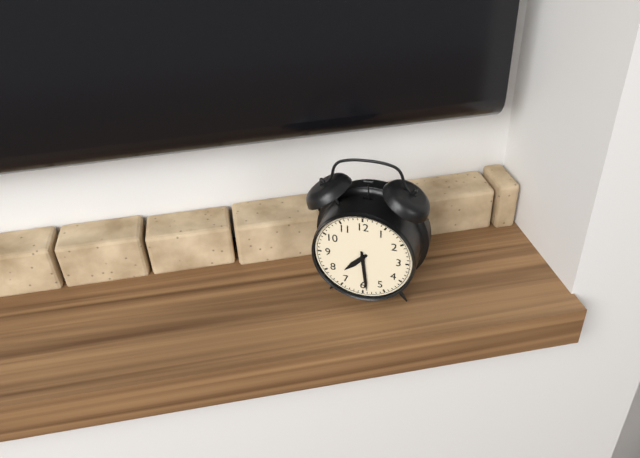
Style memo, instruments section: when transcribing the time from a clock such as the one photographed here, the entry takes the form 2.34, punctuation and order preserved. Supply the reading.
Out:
7.29
